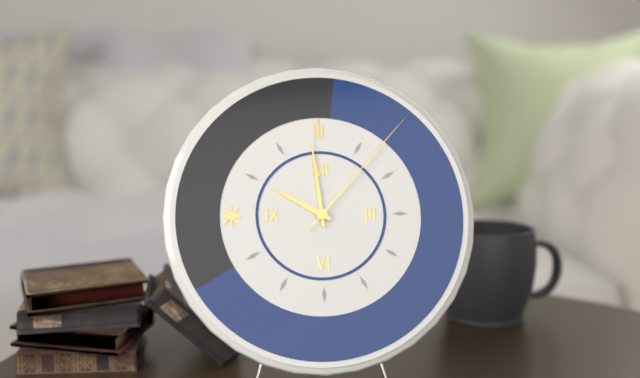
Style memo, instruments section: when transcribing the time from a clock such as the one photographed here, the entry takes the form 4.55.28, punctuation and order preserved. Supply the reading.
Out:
9.59.07
